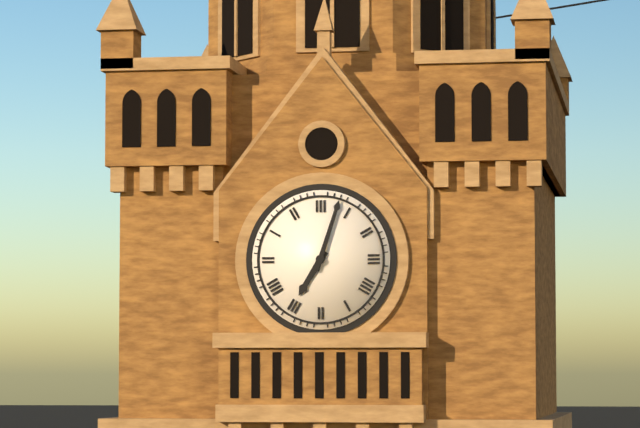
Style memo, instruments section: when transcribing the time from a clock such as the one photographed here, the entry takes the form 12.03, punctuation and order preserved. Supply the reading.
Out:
7.03
